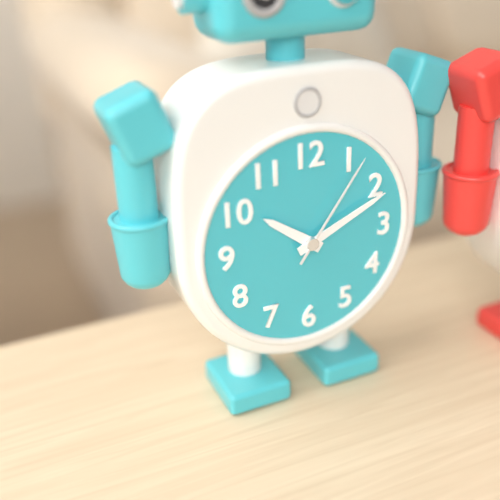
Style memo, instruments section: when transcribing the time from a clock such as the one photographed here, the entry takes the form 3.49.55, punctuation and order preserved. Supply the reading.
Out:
10.11.06
